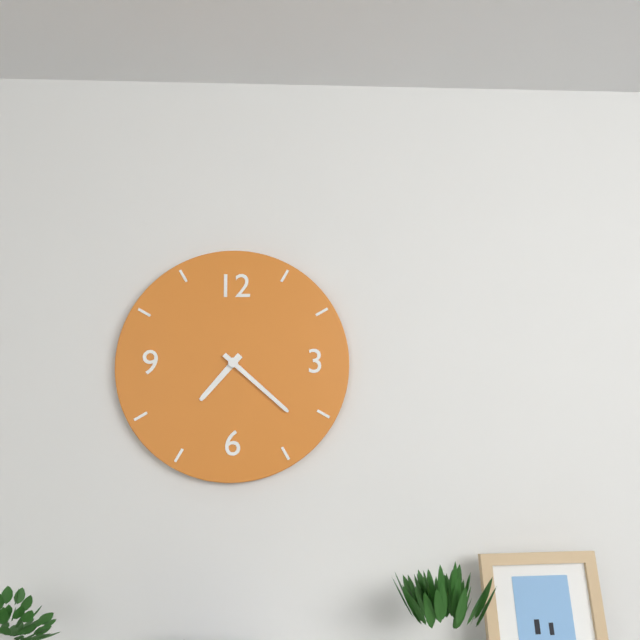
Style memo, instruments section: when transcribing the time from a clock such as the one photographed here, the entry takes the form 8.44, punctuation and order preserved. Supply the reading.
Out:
7.22
